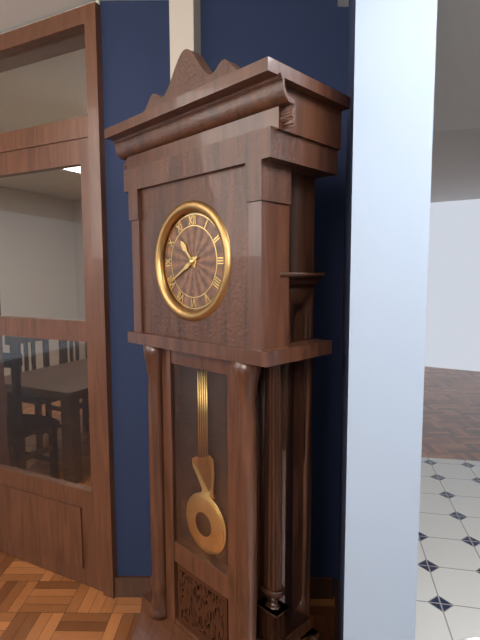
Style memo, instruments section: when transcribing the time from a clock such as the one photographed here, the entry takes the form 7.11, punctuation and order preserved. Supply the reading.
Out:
10.40
